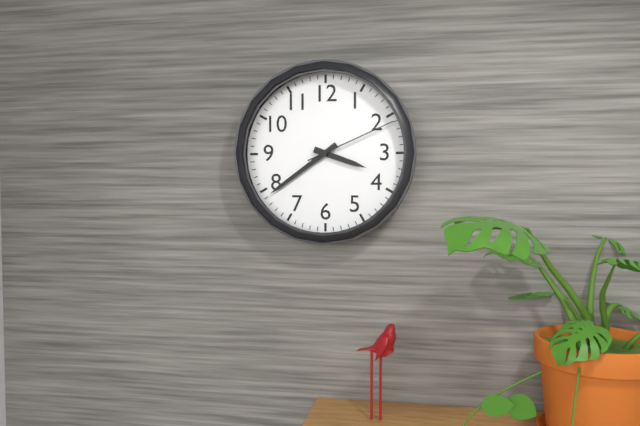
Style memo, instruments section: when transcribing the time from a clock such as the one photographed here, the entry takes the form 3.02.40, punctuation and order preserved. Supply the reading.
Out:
3.39.11
